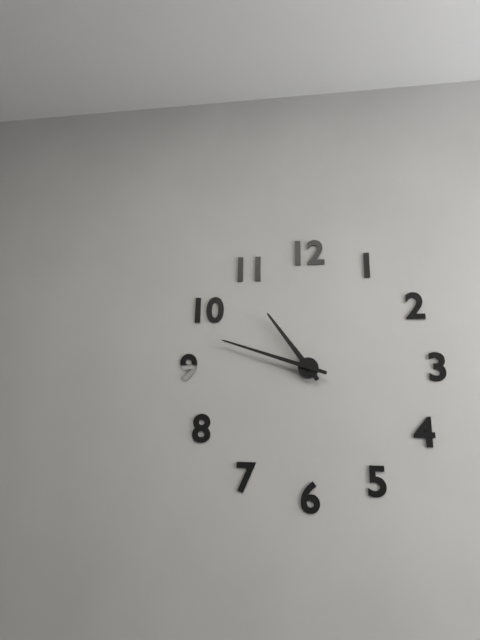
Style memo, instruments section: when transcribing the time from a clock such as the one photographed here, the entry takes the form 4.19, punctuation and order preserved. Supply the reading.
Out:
10.48
